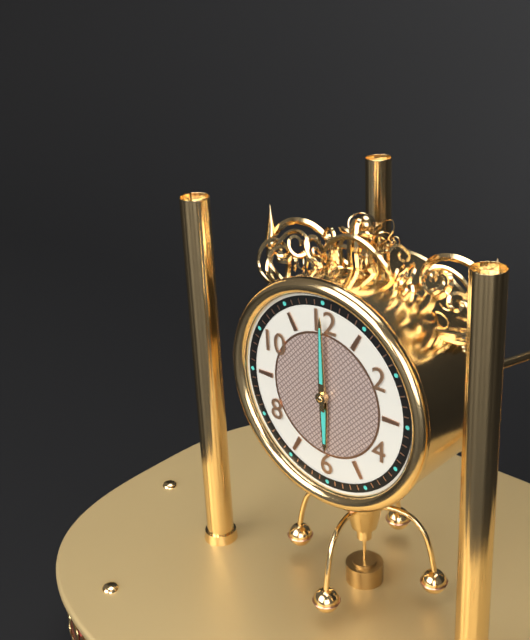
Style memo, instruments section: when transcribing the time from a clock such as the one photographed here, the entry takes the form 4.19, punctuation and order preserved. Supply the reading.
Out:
6.00
